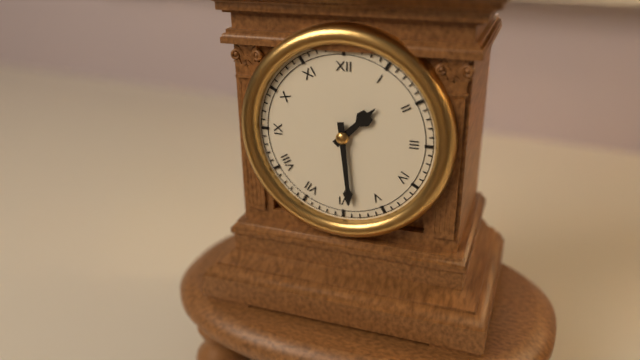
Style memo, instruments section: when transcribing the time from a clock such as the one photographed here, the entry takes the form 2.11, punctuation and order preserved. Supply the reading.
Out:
1.29
